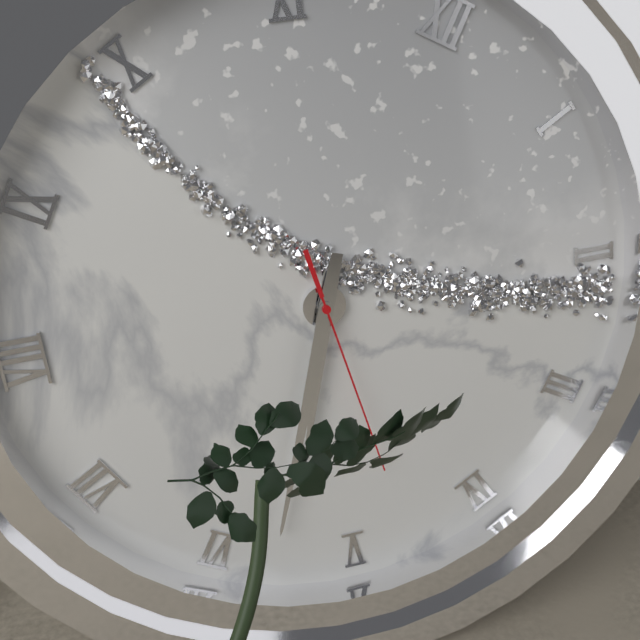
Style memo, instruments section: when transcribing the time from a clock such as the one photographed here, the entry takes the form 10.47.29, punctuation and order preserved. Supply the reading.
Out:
5.28.23
